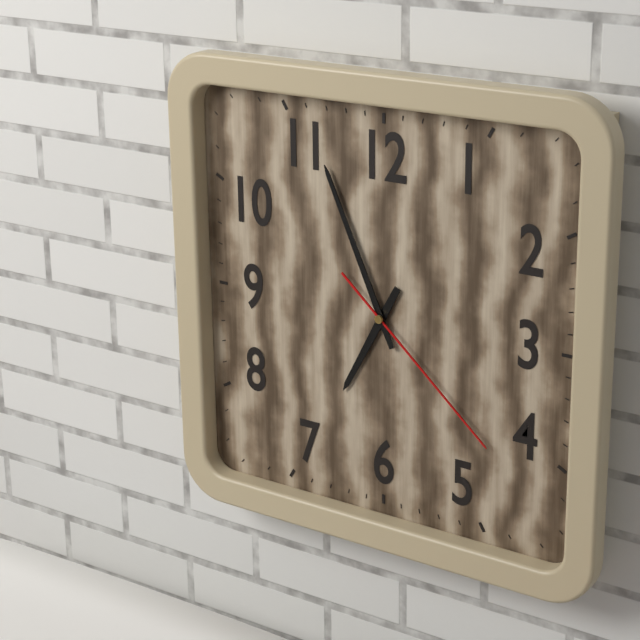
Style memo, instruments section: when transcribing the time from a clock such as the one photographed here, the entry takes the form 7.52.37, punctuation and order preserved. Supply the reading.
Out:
6.56.22
